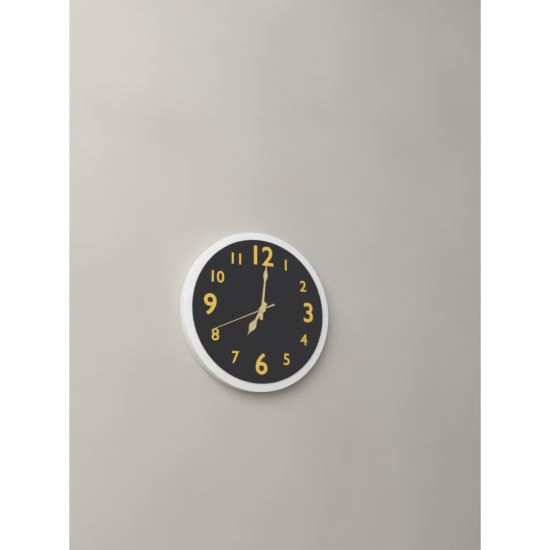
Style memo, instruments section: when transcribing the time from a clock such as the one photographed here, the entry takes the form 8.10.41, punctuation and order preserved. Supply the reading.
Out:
7.01.41
